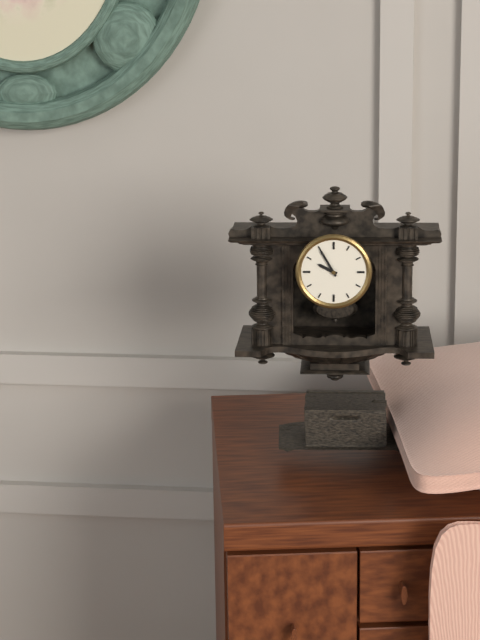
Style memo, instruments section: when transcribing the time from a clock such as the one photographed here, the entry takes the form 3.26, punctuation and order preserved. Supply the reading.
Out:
9.55
